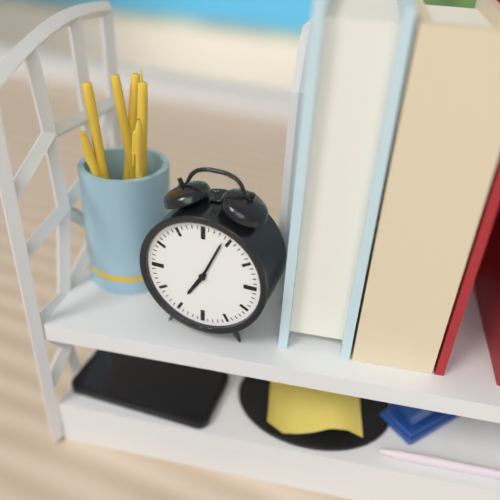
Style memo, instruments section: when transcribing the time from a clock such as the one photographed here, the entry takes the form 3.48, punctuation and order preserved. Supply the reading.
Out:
7.04
